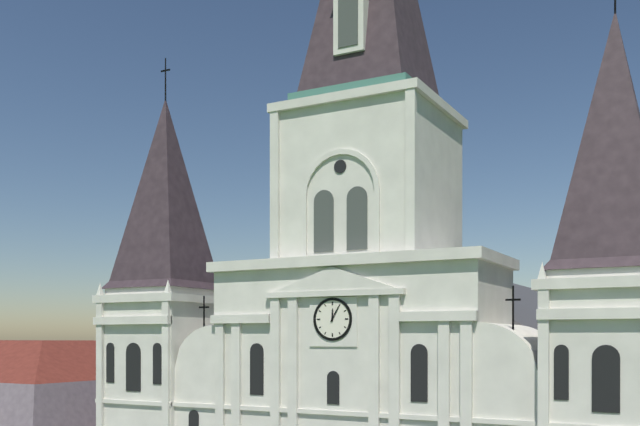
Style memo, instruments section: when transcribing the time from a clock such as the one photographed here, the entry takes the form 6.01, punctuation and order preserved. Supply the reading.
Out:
12.05
